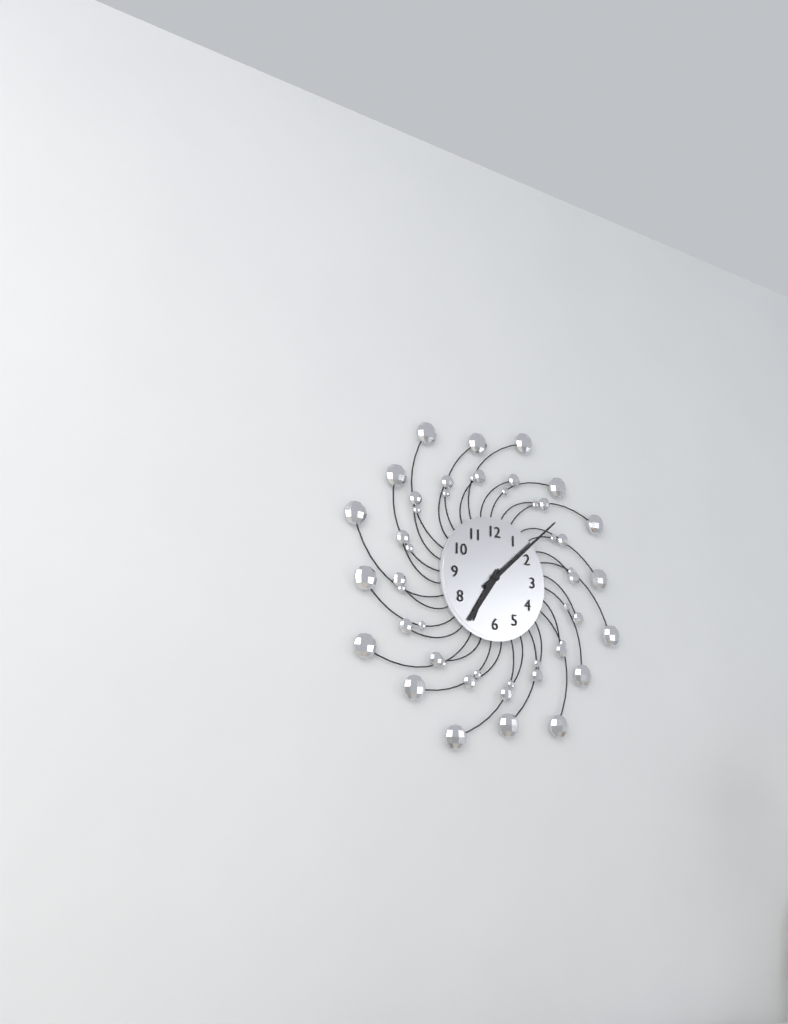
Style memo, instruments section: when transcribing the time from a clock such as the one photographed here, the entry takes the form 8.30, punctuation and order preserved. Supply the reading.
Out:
7.08
